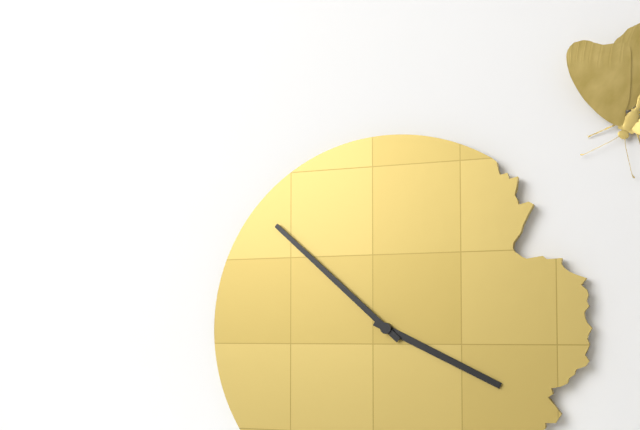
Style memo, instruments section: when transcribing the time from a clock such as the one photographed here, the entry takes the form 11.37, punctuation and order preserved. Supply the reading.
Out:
3.52
